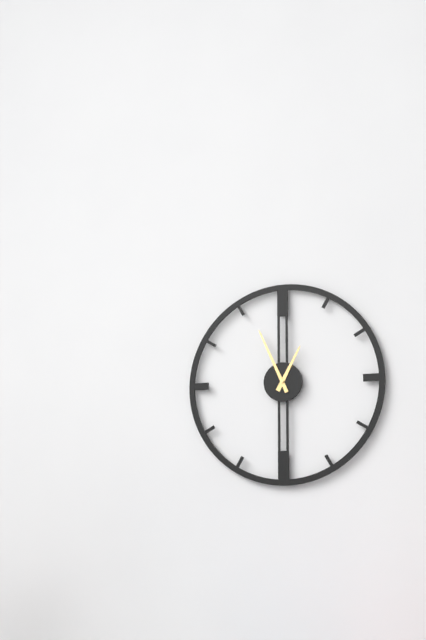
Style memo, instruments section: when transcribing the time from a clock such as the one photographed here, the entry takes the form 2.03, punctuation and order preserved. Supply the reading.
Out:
12.56
